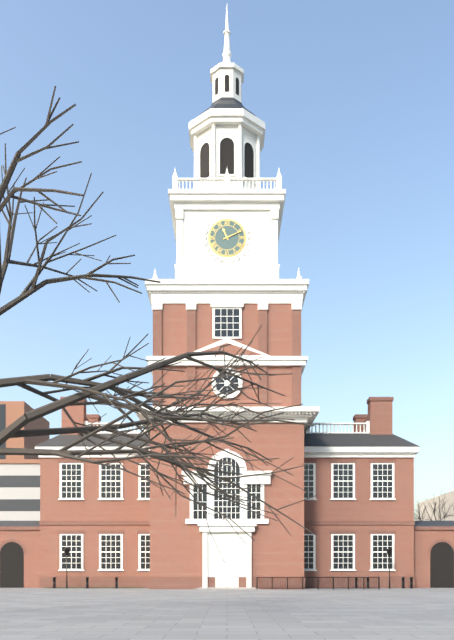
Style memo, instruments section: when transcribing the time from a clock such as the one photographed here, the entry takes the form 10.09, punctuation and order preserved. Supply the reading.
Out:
11.11
